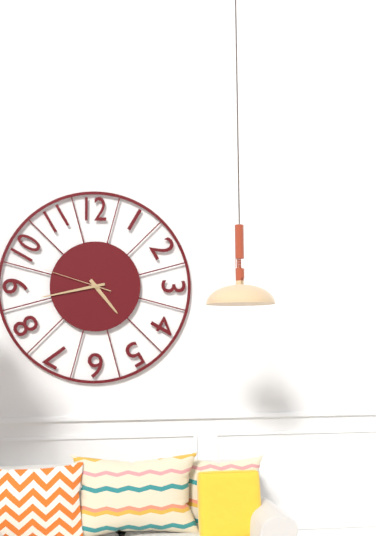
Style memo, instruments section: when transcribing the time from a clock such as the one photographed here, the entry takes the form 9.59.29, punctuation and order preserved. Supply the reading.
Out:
4.43.48
